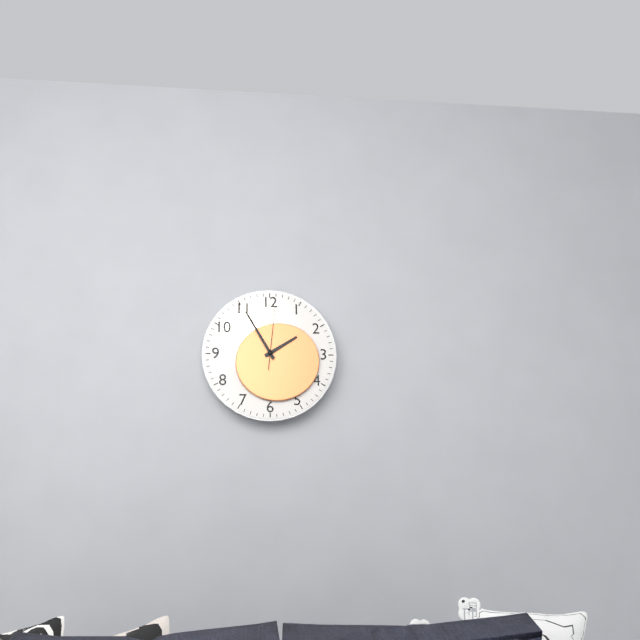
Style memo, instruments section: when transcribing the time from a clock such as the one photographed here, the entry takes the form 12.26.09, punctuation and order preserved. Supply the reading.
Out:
1.55.01
